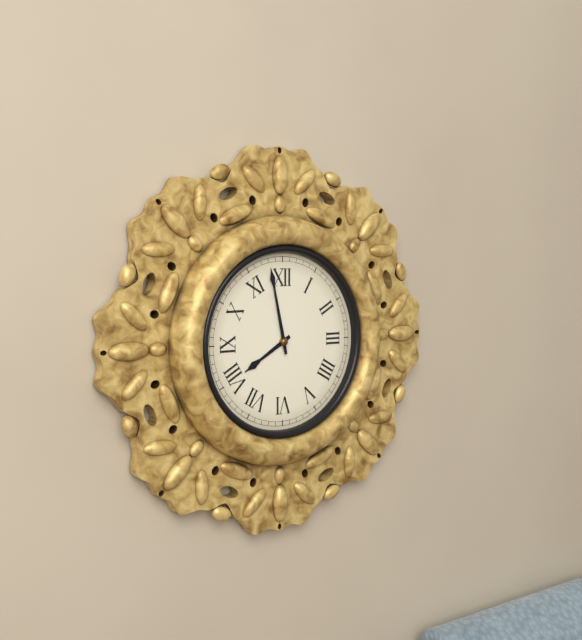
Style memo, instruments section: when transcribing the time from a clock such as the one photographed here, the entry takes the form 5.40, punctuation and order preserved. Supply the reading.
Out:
7.58
